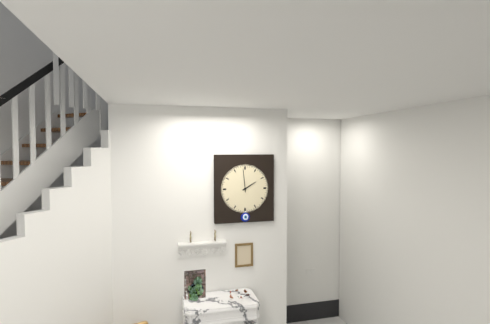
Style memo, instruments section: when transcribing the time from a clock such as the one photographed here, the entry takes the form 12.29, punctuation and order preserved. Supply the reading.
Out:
1.59
